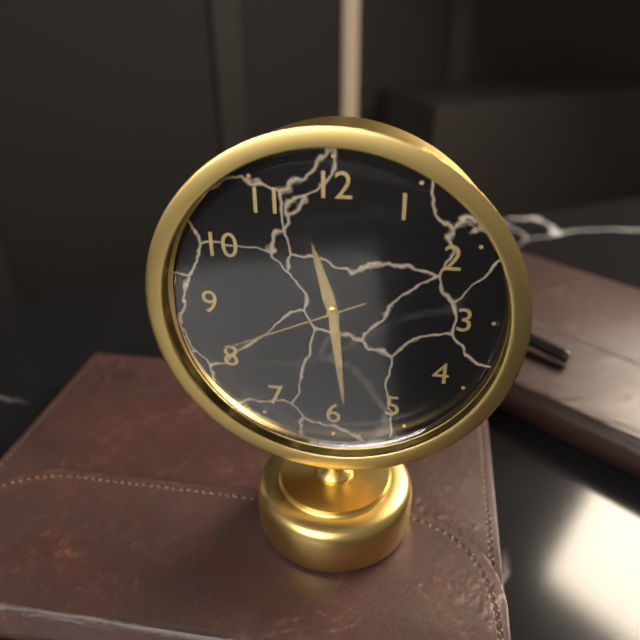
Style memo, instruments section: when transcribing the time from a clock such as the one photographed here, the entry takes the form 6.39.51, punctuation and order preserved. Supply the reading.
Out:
11.29.41
